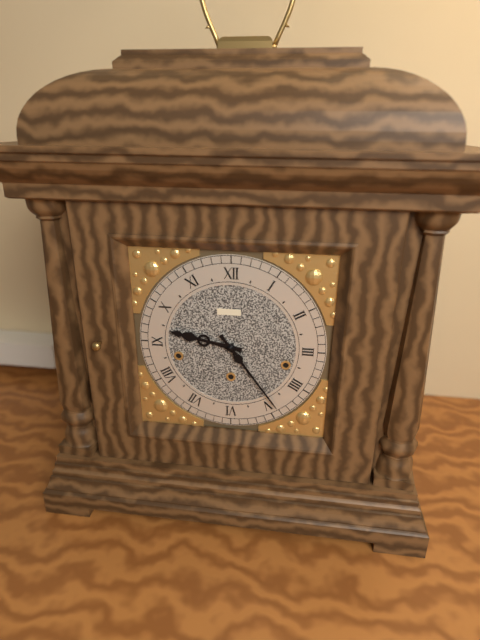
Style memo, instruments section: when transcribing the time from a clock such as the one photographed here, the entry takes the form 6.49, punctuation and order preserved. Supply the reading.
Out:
9.24
